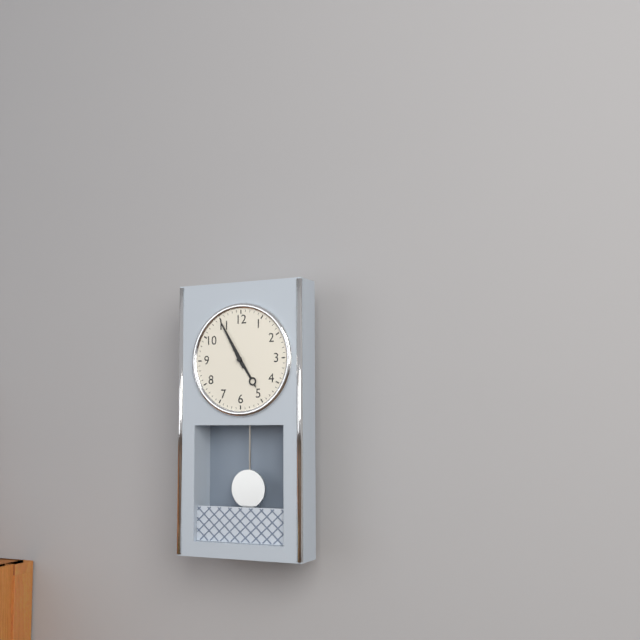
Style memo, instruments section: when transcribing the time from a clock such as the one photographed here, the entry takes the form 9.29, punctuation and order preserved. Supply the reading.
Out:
4.55
